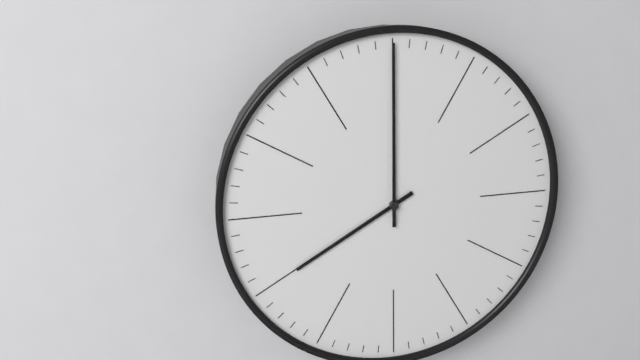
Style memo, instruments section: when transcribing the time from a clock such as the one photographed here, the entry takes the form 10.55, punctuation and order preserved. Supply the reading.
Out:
8.00
